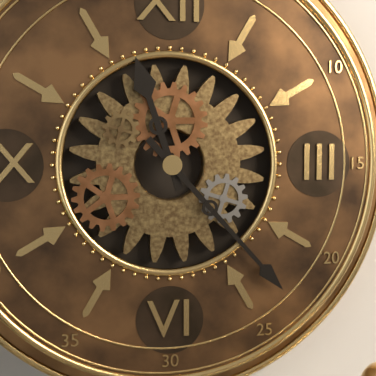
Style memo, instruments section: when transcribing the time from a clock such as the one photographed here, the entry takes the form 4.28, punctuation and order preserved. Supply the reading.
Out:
11.23
